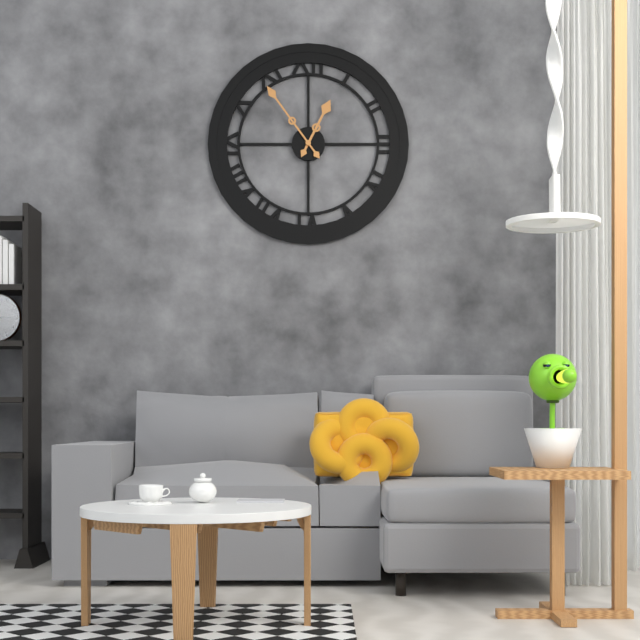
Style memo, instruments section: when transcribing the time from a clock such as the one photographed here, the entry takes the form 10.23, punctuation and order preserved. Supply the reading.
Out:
12.54
